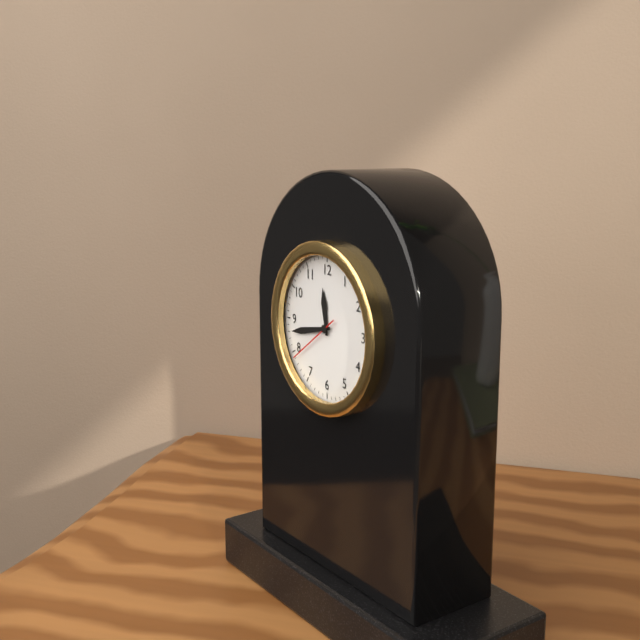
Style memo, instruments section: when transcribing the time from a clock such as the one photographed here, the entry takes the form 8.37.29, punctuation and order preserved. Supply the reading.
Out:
11.43.39
